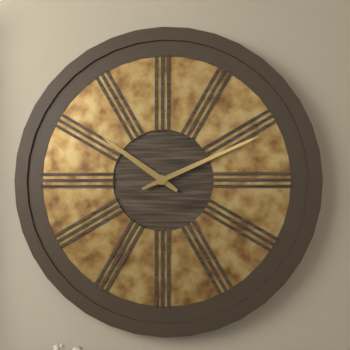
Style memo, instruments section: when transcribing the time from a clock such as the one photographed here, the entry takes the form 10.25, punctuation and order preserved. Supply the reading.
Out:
10.11
